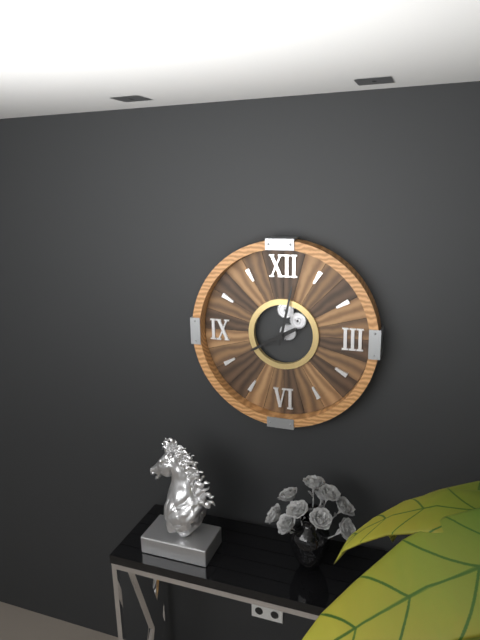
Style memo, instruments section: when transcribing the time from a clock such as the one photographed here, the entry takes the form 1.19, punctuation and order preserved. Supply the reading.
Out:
8.02
